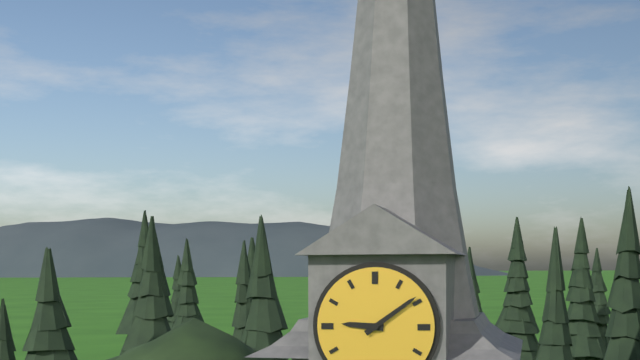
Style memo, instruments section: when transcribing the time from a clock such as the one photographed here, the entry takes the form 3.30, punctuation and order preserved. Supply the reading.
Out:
9.09
